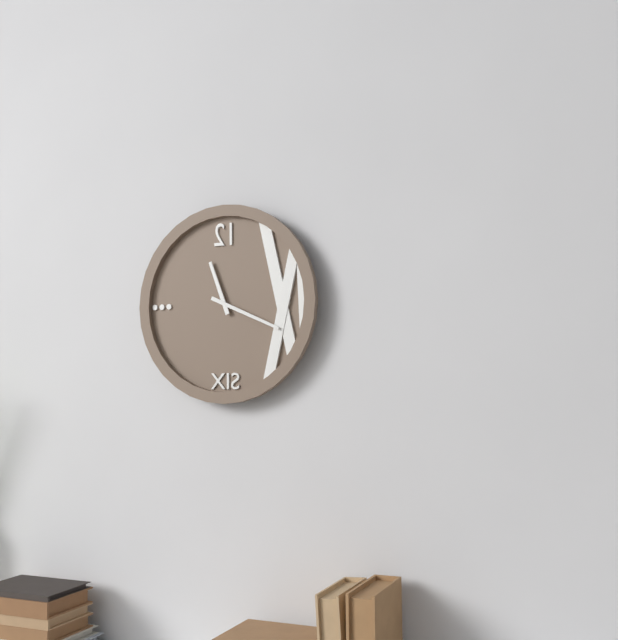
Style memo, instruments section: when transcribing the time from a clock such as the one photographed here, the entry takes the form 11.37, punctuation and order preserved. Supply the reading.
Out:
11.19
